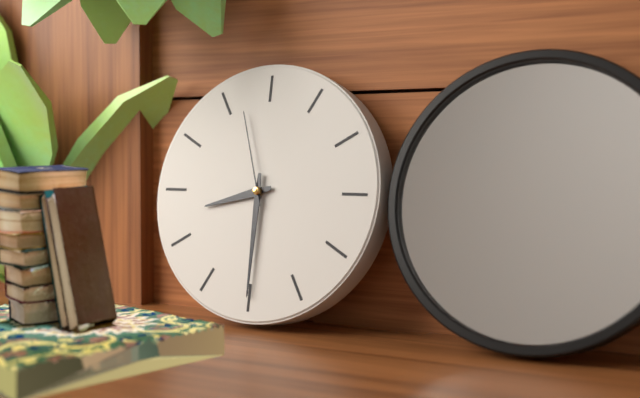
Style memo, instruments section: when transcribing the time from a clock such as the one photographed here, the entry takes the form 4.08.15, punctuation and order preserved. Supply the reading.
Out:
8.30.57
